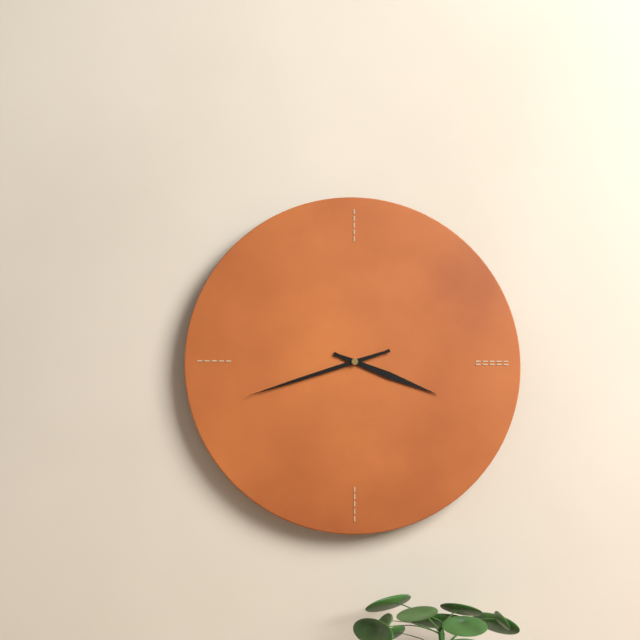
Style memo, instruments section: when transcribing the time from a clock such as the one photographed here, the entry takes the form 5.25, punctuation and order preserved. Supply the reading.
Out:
3.42
